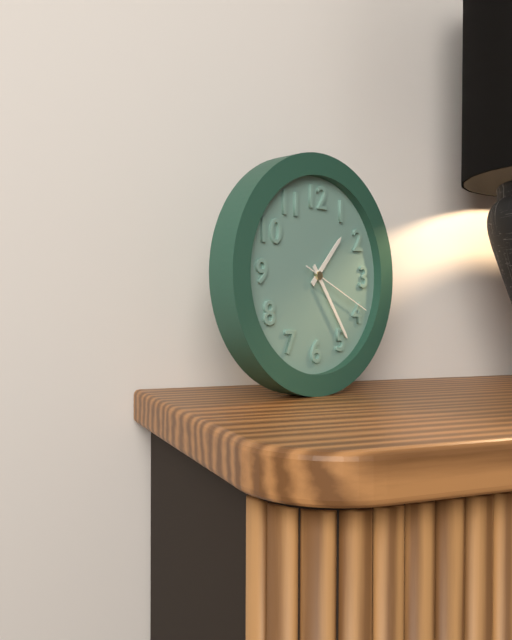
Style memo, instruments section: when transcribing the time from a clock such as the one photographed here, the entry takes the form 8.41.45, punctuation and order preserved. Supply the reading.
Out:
1.24.19
